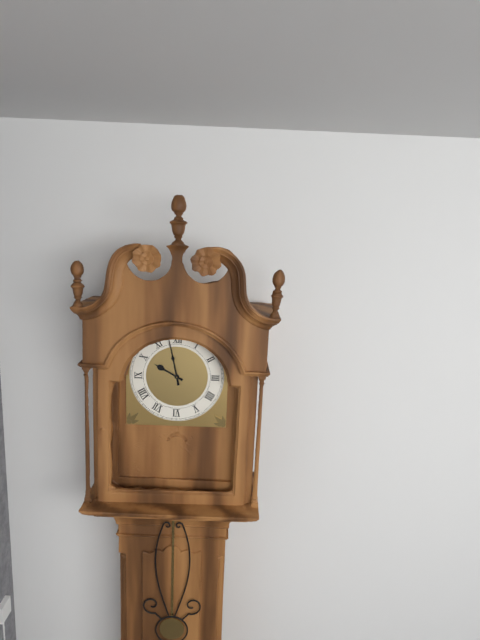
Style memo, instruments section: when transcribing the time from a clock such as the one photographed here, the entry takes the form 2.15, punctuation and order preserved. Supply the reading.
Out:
9.58
